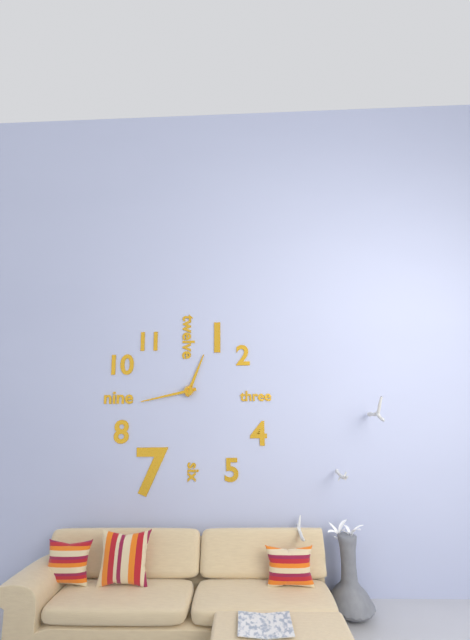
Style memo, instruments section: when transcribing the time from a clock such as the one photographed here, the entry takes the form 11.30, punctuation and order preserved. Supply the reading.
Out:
12.43
